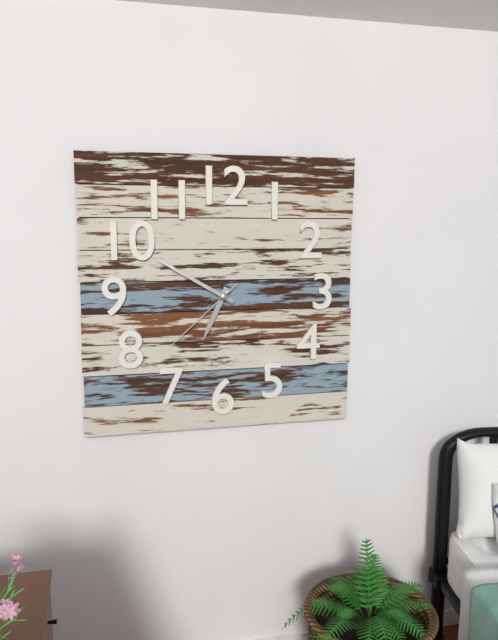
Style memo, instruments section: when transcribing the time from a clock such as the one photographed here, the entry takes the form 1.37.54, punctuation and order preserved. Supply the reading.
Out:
6.50.38
